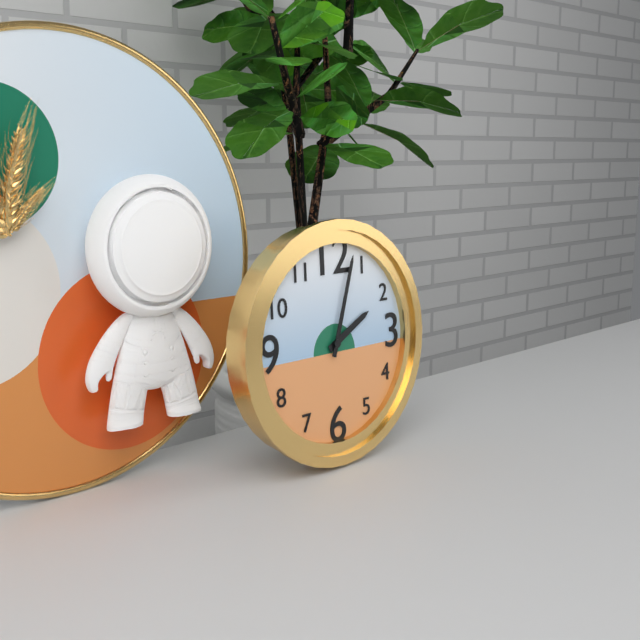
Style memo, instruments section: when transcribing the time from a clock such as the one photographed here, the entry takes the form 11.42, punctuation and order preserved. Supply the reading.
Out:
2.03
